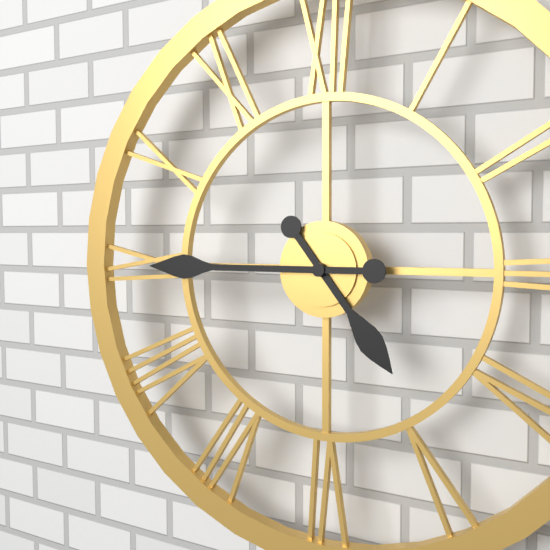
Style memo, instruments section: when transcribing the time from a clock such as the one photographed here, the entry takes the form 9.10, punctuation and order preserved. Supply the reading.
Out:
4.45
